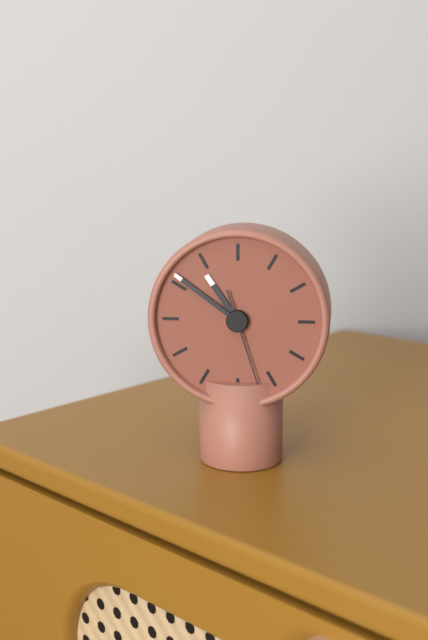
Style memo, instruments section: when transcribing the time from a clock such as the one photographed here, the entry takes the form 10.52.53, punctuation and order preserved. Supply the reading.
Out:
10.51.27
